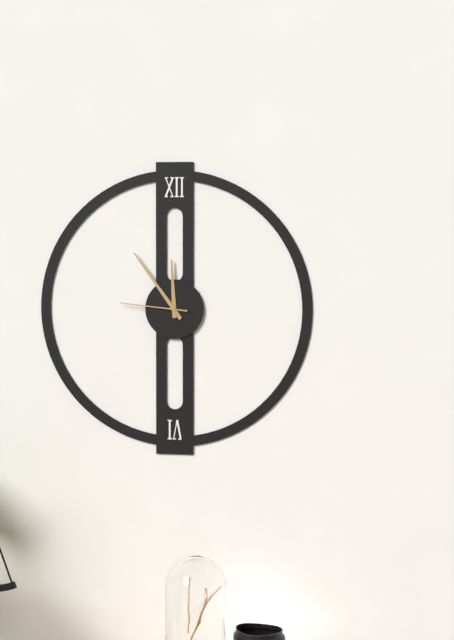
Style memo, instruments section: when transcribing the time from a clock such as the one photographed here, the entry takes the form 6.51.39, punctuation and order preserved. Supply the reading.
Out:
11.54.46
